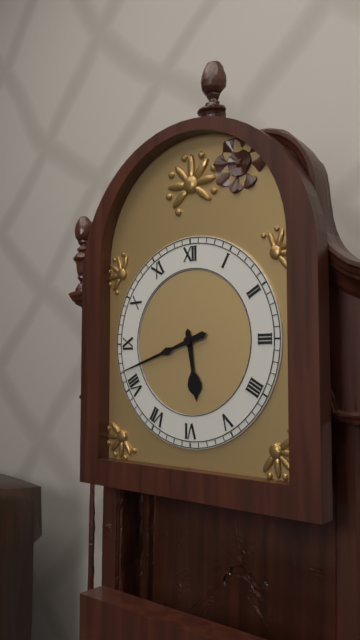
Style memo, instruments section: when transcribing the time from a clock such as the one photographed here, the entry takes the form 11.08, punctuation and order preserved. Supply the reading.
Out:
5.42
